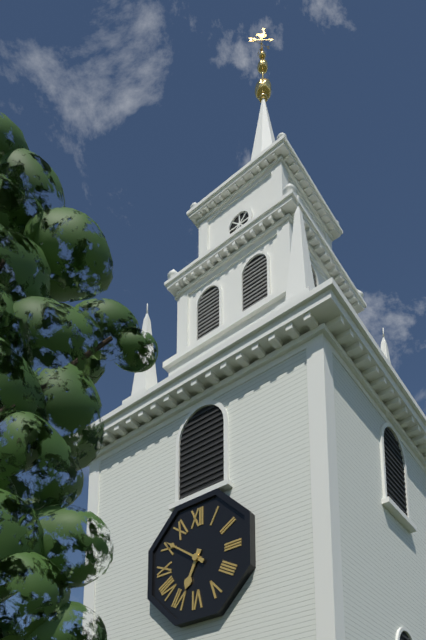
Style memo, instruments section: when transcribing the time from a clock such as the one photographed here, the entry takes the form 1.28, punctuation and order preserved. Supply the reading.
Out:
6.51
